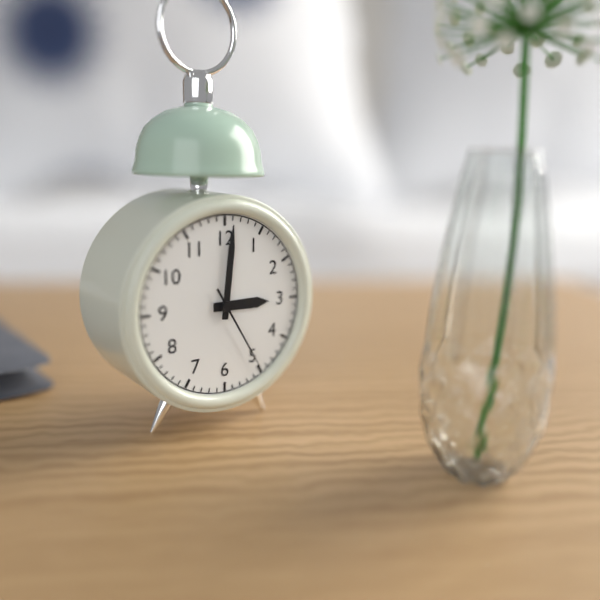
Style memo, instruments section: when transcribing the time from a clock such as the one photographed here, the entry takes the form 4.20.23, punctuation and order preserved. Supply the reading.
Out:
3.01.25
